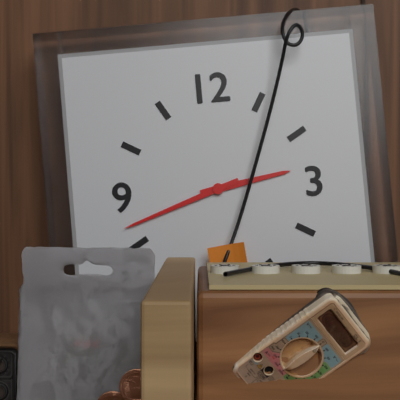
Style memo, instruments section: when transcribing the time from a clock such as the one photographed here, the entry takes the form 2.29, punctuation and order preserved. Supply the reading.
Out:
2.42
